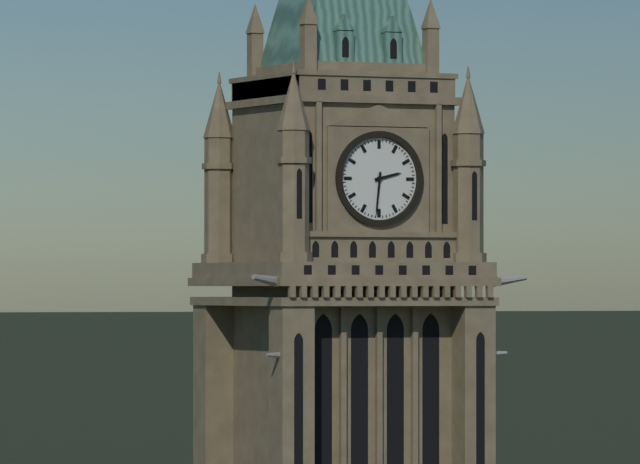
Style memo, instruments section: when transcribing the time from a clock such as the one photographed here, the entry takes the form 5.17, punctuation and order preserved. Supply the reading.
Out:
2.31
